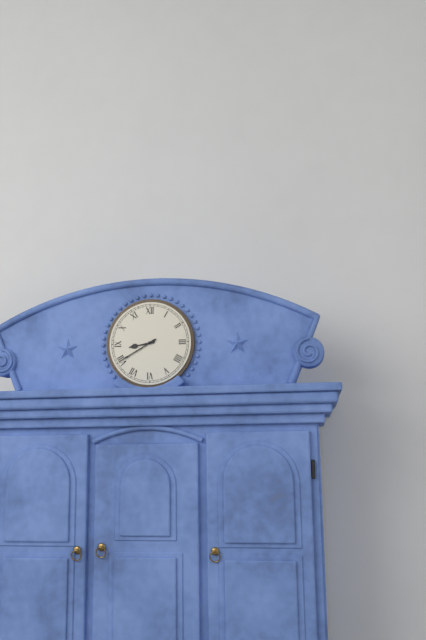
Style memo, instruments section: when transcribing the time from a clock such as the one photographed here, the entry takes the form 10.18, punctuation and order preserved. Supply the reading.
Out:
8.40
